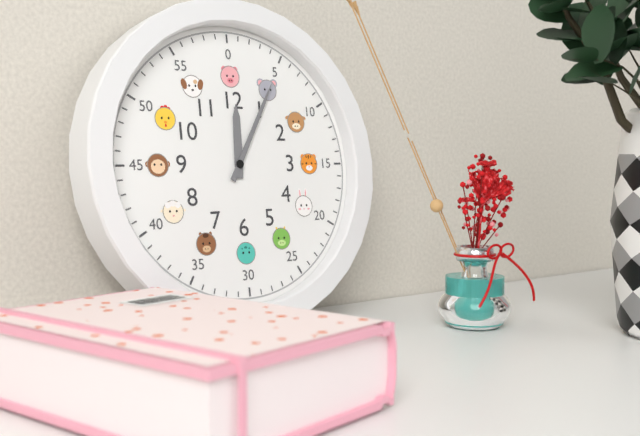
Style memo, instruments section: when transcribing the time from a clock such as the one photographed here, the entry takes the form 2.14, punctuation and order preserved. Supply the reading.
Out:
12.05
